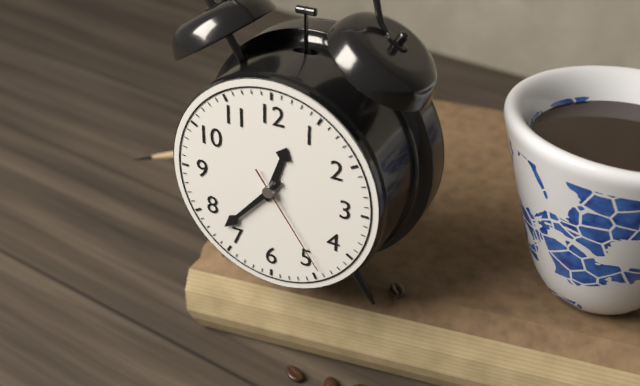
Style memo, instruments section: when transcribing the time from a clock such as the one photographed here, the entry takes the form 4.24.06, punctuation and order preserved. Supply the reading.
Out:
12.37.24
